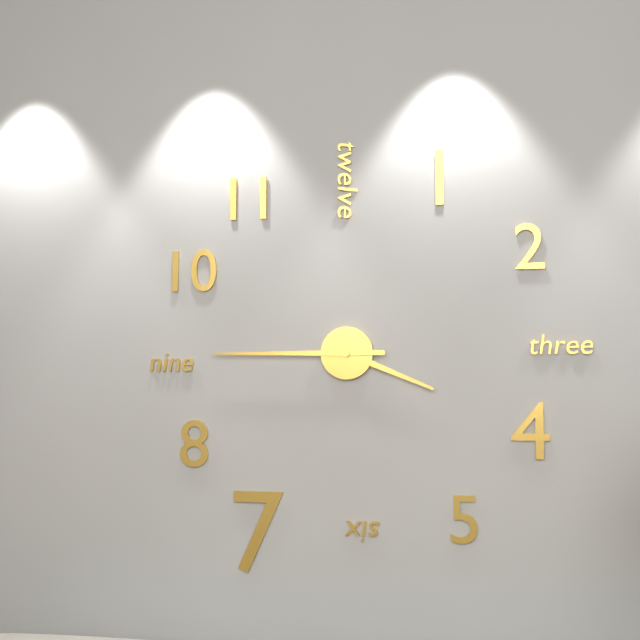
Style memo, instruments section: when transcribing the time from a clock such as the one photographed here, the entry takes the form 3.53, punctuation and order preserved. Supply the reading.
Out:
3.45
